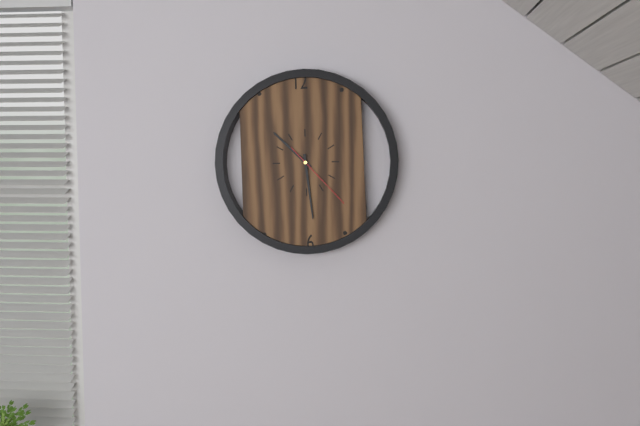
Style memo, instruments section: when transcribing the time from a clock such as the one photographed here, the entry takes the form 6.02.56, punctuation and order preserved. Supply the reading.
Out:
10.29.23
